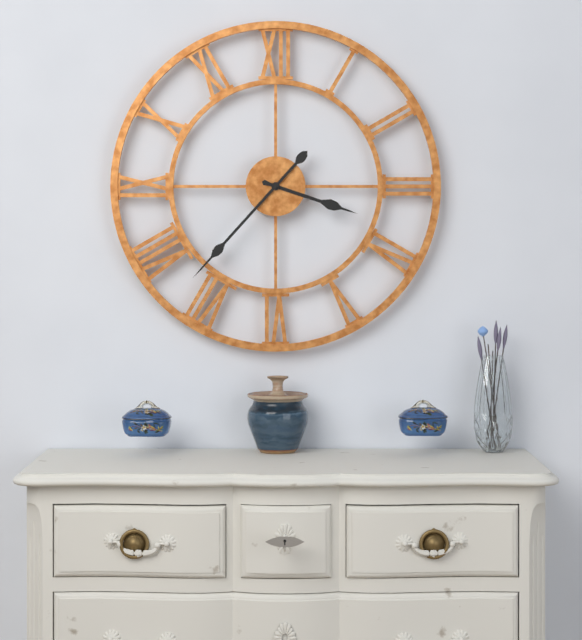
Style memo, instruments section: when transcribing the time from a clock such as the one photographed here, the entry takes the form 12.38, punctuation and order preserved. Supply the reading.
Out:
3.37
